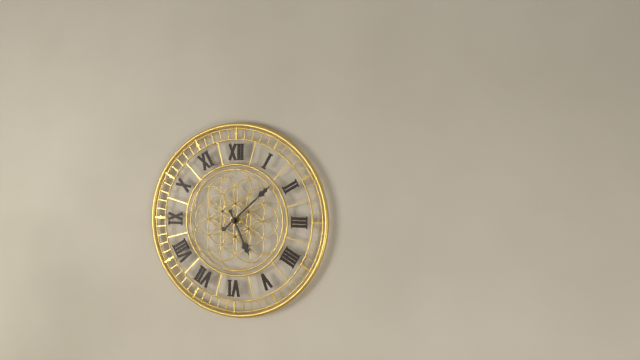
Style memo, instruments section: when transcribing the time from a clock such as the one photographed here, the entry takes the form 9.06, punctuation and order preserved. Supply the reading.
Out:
5.08
